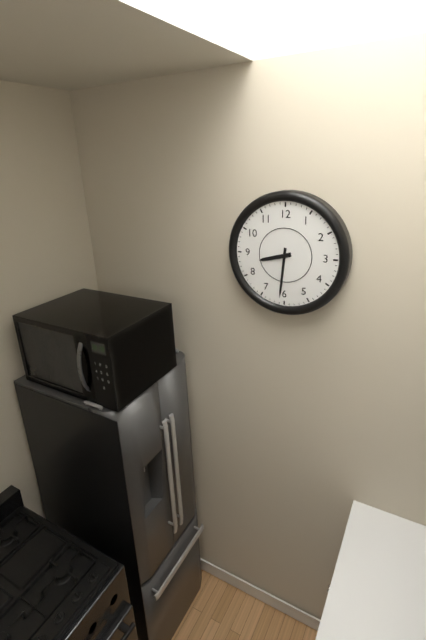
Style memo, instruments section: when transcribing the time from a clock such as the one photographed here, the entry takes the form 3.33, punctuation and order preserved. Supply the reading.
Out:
8.31
